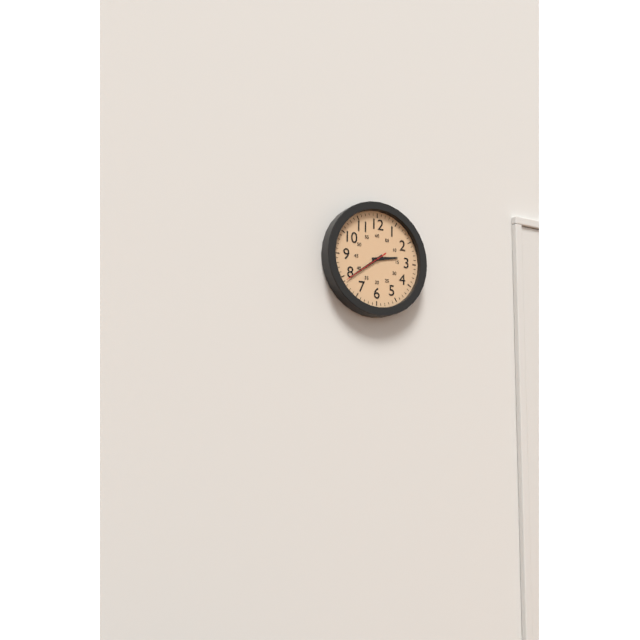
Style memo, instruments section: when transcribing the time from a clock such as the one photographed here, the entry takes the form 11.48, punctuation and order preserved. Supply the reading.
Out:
2.39
